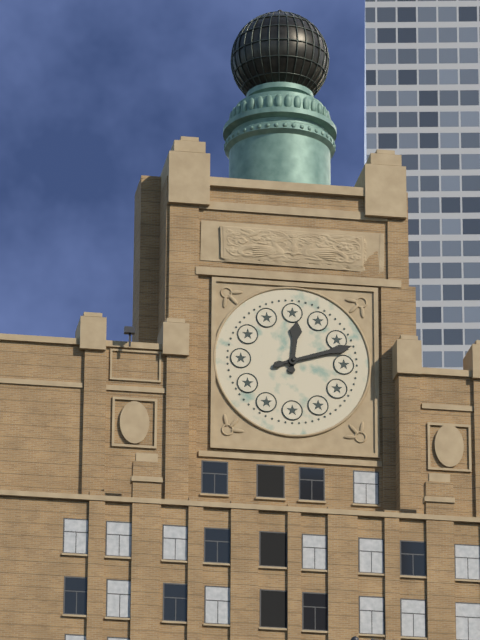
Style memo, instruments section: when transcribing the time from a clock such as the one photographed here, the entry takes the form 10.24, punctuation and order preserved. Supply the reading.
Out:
12.12
